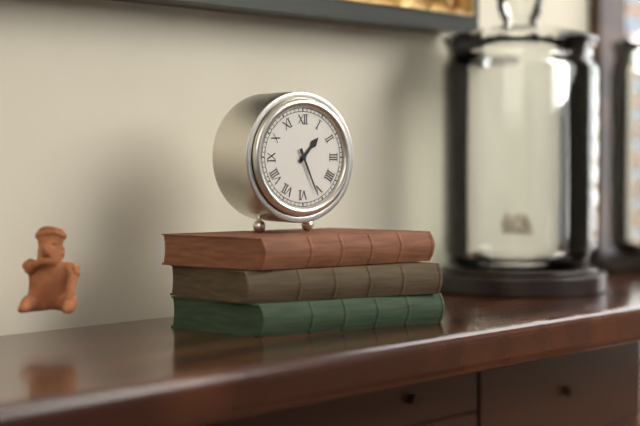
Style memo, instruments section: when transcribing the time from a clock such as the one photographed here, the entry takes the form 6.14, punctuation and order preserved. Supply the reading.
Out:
1.26
